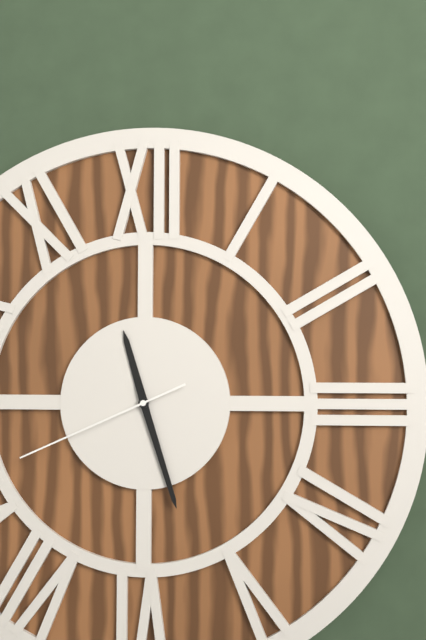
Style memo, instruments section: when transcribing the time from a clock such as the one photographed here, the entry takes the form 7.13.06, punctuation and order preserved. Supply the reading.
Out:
11.27.41
